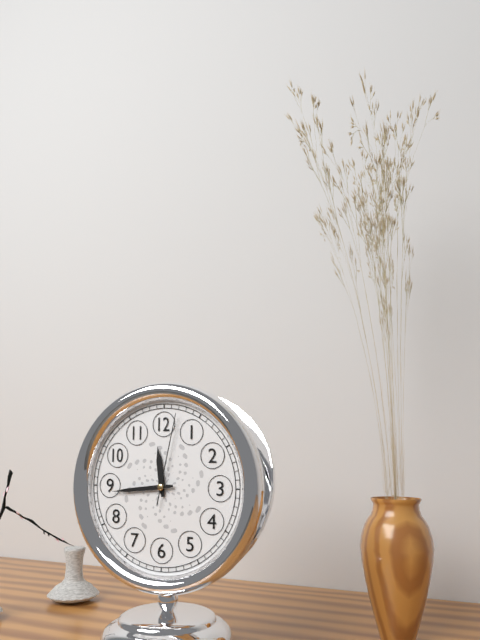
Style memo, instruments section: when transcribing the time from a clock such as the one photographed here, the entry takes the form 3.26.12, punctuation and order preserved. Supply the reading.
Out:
11.44.02
